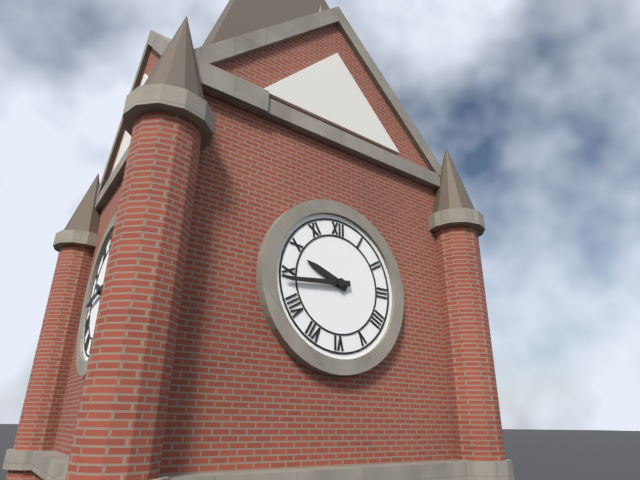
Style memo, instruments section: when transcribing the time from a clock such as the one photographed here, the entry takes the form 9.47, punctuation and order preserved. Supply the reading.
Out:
9.44
